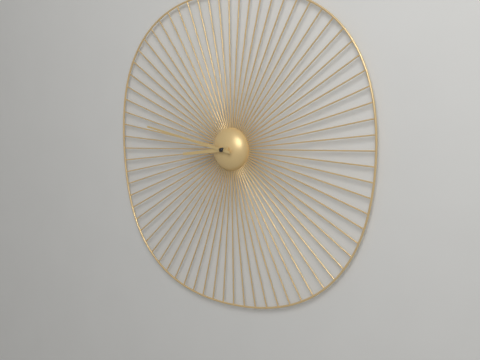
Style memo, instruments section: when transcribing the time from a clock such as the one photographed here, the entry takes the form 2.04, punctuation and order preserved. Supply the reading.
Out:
8.47
